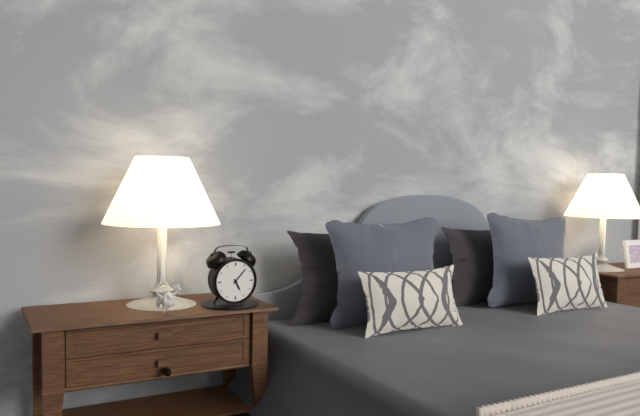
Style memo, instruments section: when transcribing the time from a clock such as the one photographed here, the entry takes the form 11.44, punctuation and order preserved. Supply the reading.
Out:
5.07
